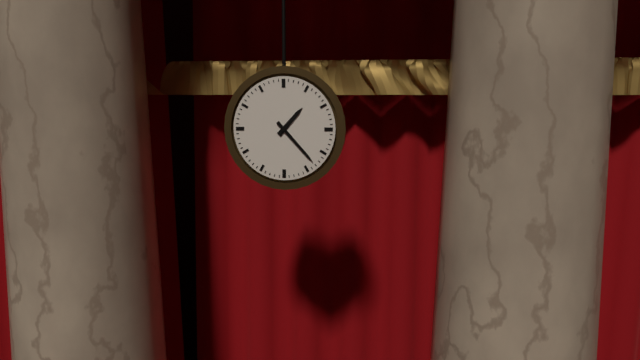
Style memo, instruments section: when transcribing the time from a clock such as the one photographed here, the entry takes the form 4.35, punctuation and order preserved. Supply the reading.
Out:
1.23
